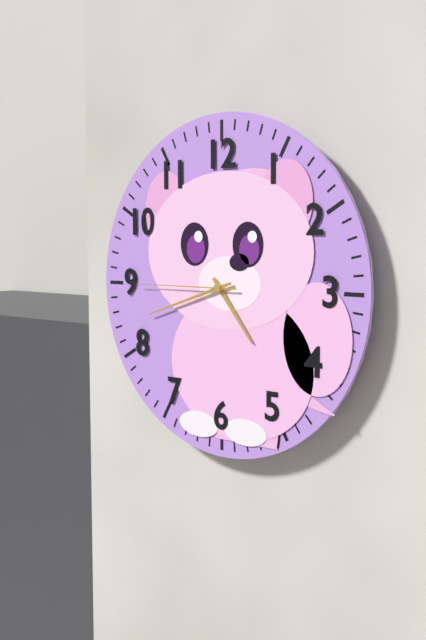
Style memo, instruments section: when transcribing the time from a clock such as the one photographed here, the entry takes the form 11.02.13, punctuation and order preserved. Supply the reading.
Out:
4.42.45
